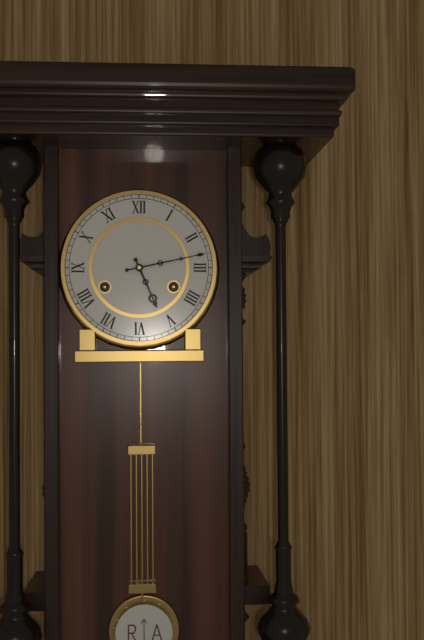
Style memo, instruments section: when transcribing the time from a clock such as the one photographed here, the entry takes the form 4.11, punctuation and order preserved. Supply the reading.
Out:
5.13
